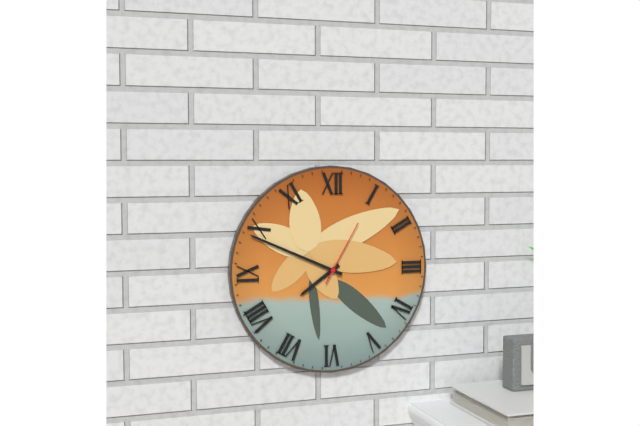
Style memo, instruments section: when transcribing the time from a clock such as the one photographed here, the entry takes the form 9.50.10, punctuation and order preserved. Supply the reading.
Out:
7.49.05
